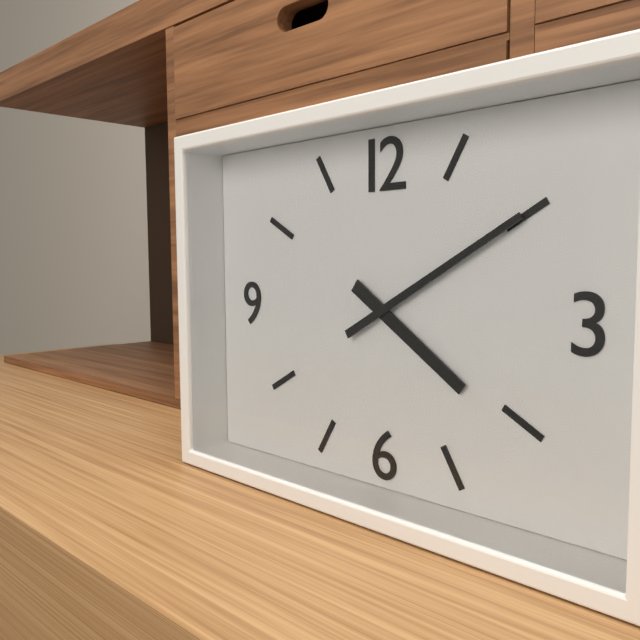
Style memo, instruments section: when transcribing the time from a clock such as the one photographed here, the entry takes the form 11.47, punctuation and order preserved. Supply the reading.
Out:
4.10
